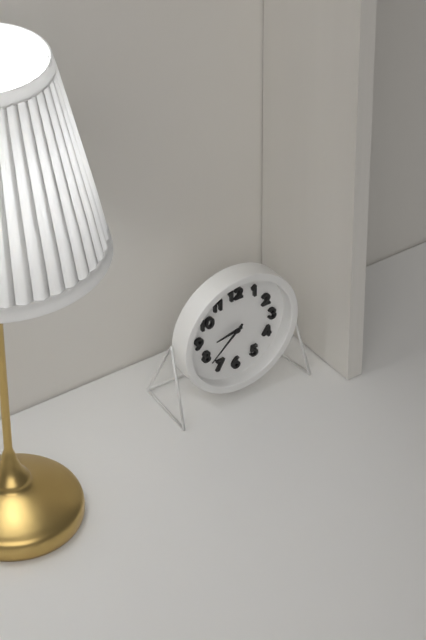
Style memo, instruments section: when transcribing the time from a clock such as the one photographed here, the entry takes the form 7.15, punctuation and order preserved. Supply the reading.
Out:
8.38
